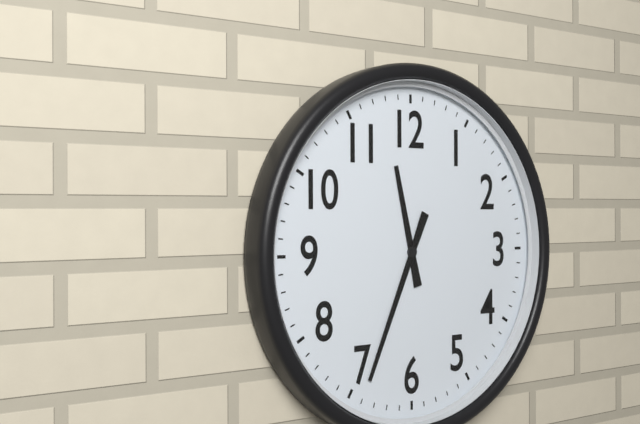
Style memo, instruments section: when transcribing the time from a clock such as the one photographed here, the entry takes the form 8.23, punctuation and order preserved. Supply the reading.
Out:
11.34
